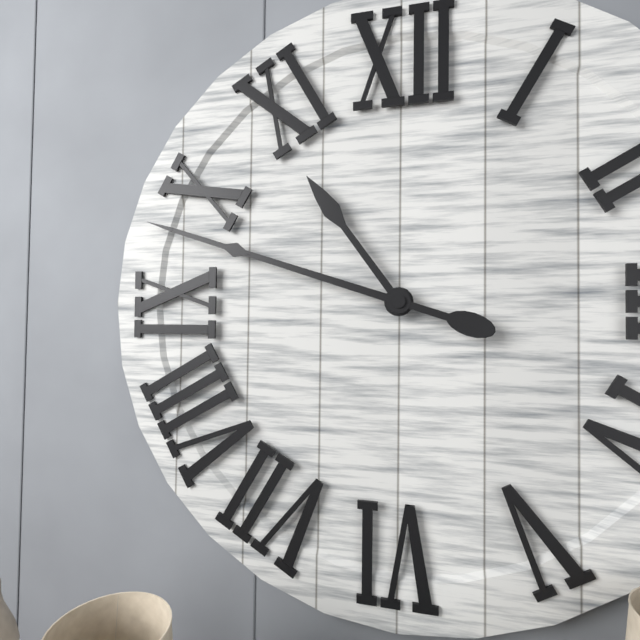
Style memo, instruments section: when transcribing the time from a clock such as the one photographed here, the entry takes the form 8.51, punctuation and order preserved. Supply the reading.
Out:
10.48
